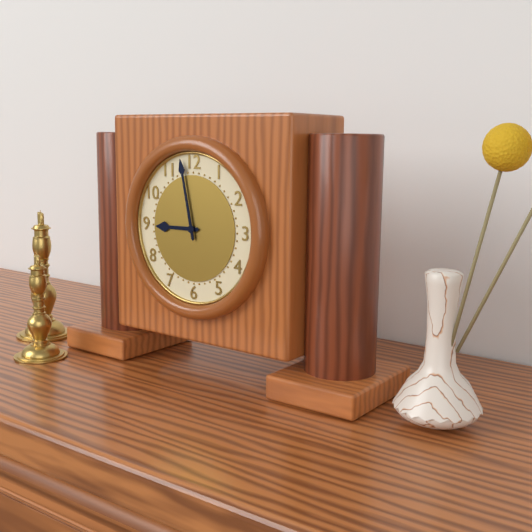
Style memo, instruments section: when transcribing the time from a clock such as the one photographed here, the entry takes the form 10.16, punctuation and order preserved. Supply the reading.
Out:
8.58
